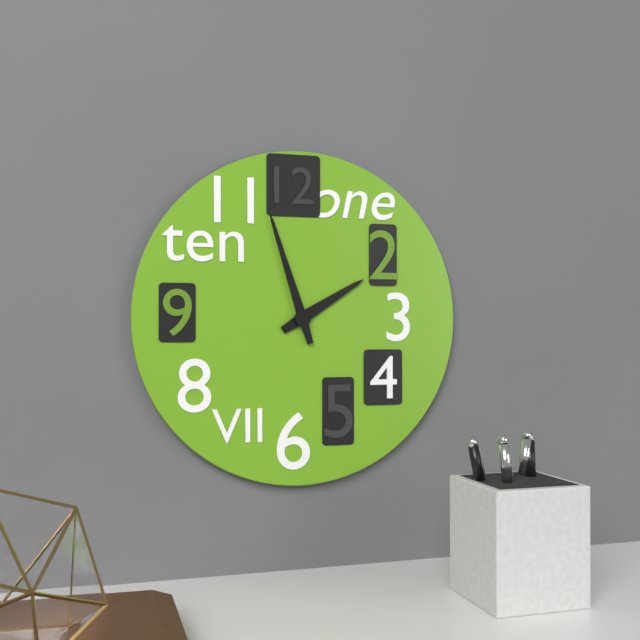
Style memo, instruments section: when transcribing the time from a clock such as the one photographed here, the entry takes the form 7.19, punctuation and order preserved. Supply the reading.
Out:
1.57
